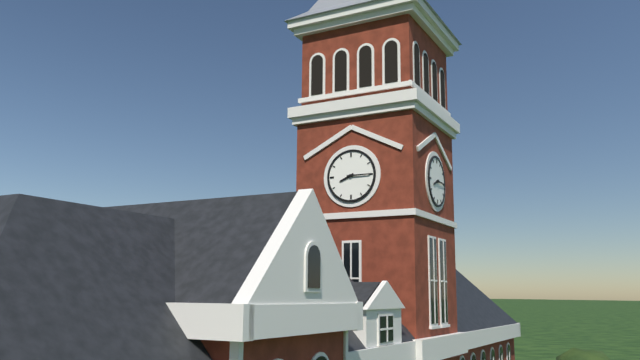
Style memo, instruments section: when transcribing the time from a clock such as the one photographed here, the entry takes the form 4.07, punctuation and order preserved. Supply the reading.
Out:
8.15
